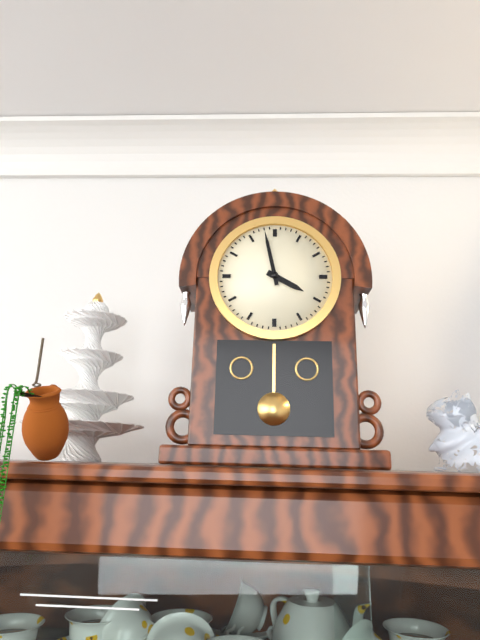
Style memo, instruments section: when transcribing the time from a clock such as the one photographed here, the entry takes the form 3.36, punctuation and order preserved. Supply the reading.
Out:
3.58
